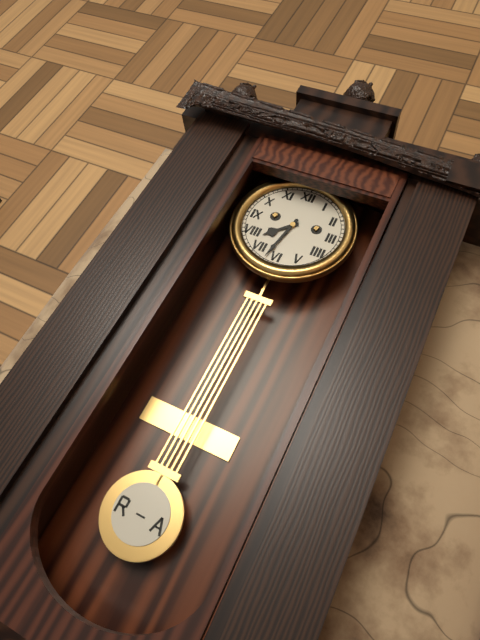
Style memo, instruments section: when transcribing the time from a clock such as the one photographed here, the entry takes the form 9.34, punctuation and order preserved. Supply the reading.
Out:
7.32
